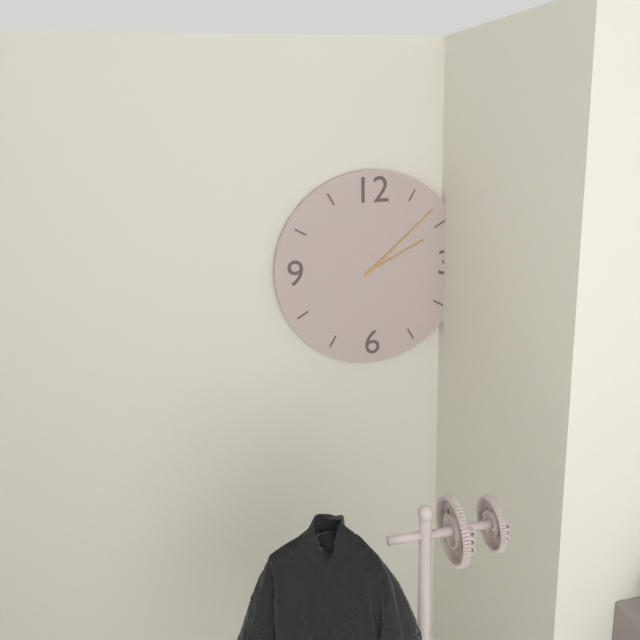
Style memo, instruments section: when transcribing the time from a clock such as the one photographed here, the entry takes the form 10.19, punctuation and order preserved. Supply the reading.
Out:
2.08
